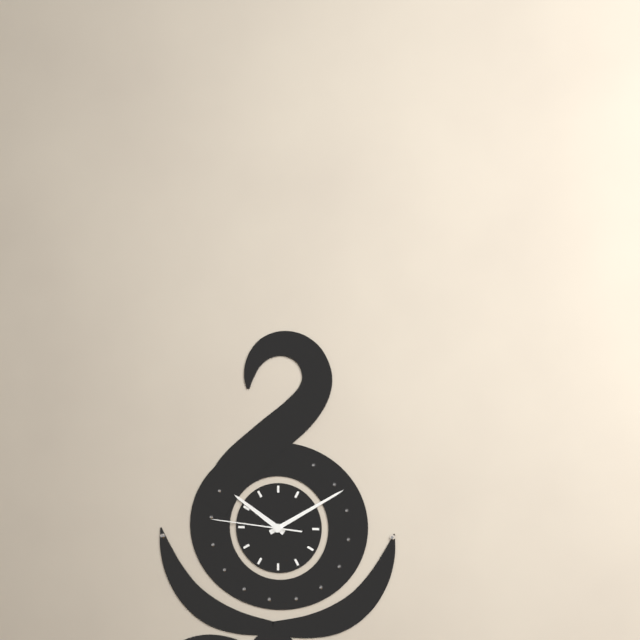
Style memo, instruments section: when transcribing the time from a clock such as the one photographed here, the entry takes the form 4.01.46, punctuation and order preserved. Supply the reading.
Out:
10.10.46
